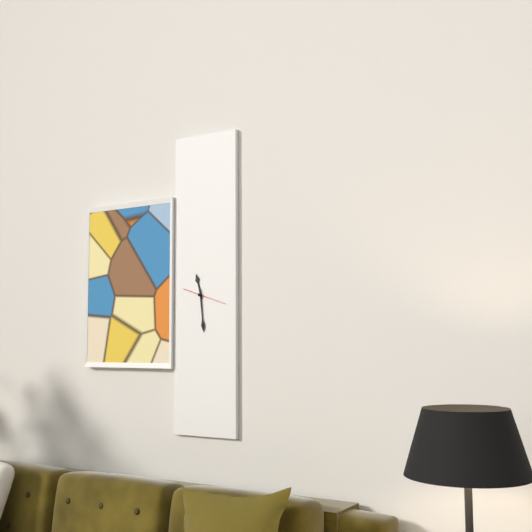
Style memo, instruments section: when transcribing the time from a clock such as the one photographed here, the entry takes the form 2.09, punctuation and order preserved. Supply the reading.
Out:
11.29
